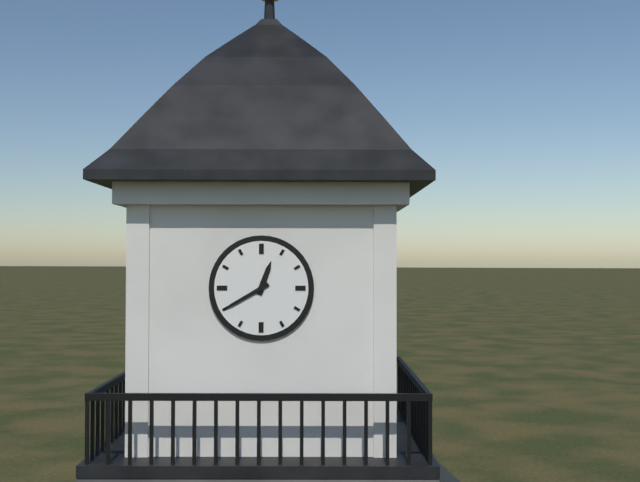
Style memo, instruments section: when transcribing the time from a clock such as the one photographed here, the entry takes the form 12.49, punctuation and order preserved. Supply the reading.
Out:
12.40
